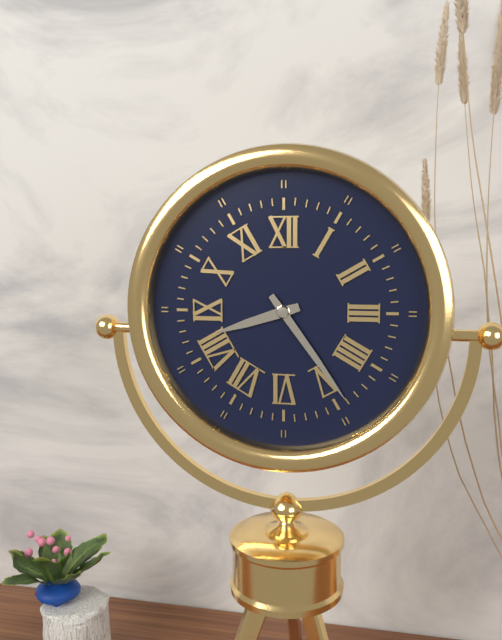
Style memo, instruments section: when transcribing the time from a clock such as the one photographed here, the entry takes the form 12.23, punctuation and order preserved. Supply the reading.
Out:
8.24
